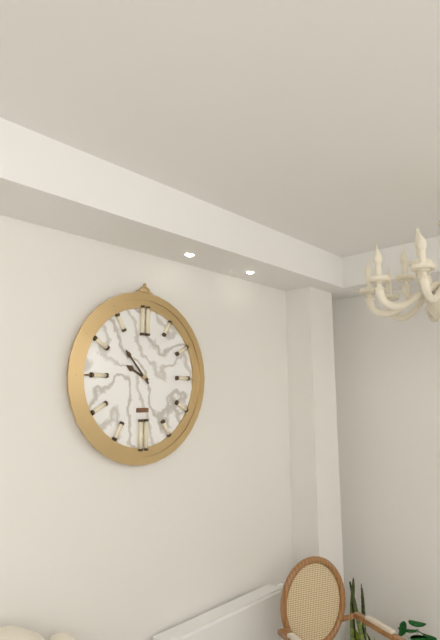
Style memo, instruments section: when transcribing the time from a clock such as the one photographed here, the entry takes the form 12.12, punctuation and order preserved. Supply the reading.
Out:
9.53
